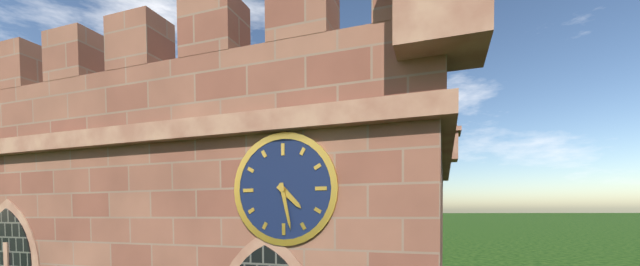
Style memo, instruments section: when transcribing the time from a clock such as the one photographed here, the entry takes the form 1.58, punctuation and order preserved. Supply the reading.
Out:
4.28
